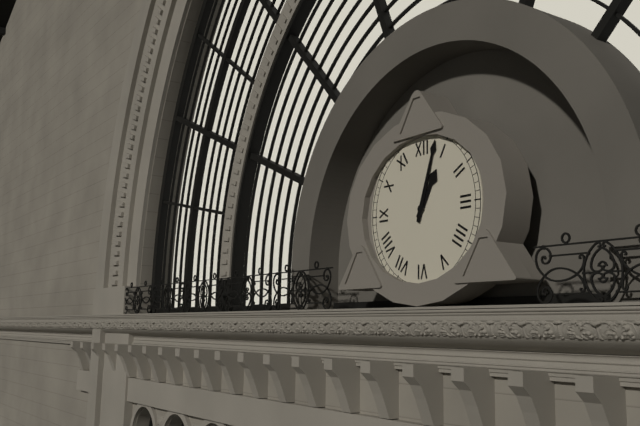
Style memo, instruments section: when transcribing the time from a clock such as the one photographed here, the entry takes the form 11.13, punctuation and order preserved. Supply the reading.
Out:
1.03
